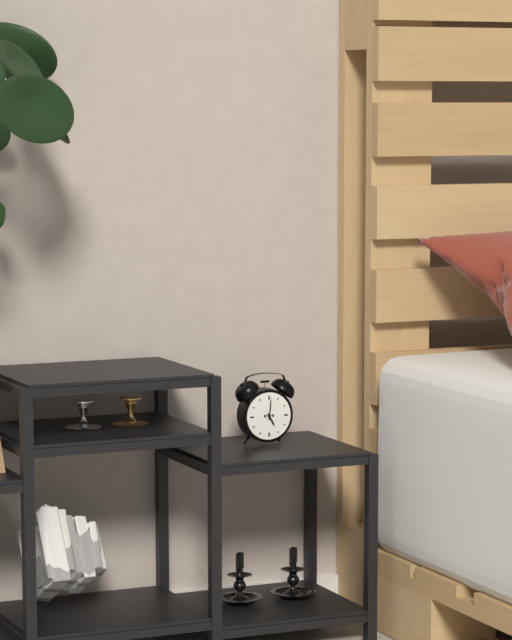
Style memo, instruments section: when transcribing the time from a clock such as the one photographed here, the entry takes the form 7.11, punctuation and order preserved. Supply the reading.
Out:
5.01
